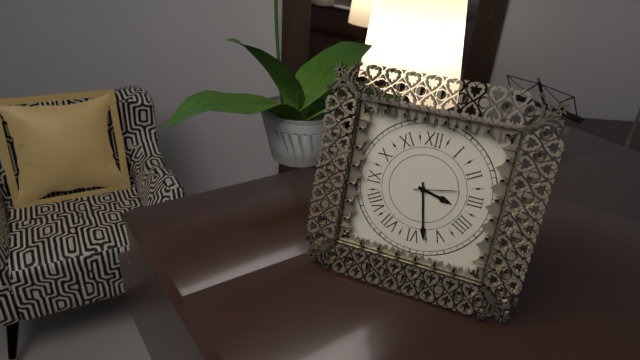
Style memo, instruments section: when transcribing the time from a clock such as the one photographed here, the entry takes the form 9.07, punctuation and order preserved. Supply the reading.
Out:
3.28
